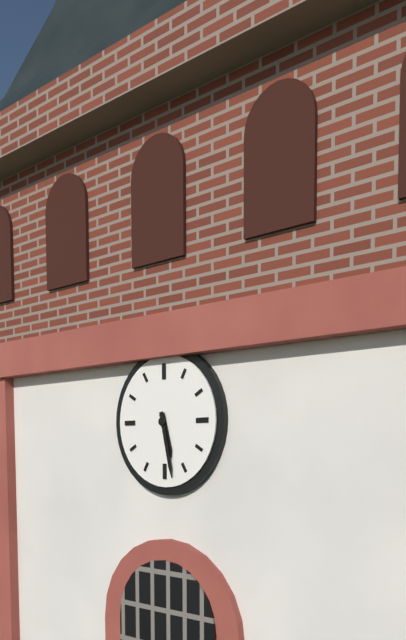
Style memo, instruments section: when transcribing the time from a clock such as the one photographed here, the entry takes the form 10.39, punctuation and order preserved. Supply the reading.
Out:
5.28
